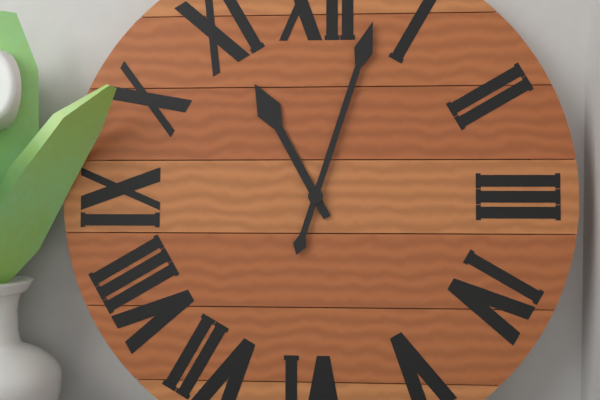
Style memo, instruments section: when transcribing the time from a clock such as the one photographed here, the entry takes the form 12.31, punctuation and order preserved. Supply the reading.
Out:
11.03
